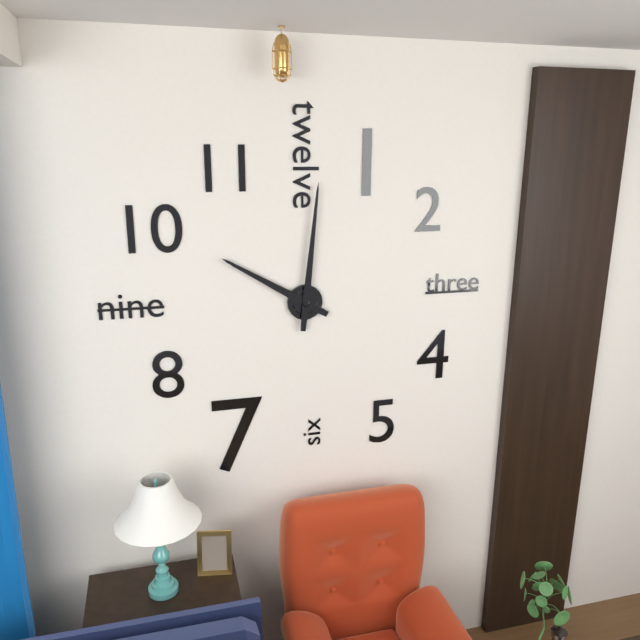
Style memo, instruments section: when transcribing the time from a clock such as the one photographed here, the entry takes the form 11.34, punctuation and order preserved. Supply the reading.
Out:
10.01
